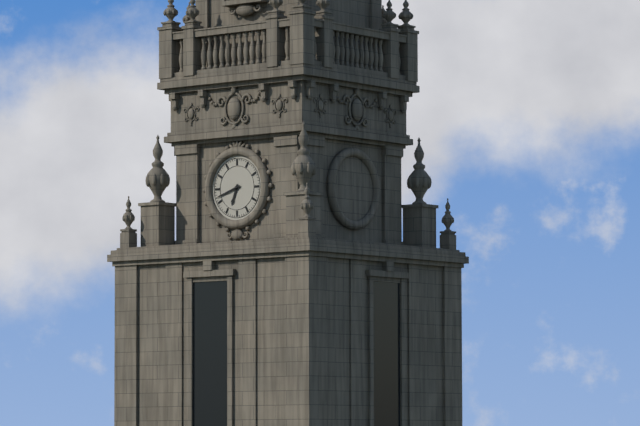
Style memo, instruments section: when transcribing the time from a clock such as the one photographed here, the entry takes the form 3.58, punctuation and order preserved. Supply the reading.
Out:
6.42
